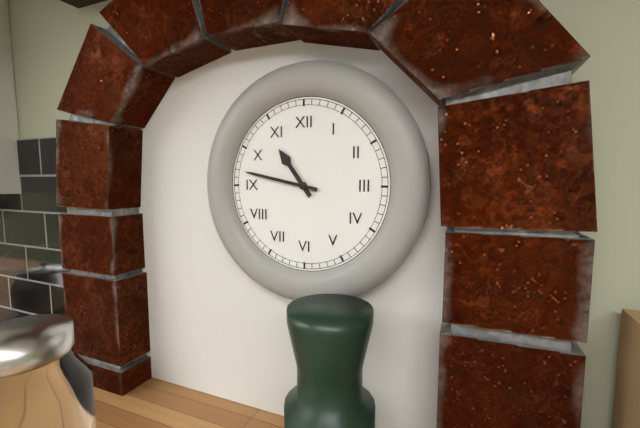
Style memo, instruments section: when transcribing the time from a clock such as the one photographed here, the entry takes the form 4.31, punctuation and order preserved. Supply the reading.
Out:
10.47
